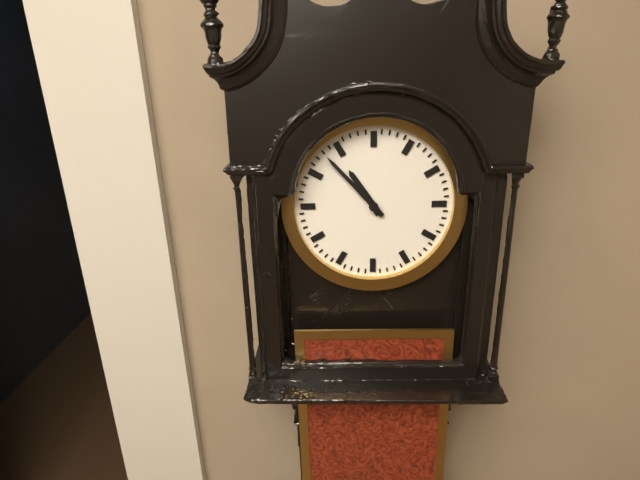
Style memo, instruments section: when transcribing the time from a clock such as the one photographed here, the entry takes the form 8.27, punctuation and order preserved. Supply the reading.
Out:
10.53
